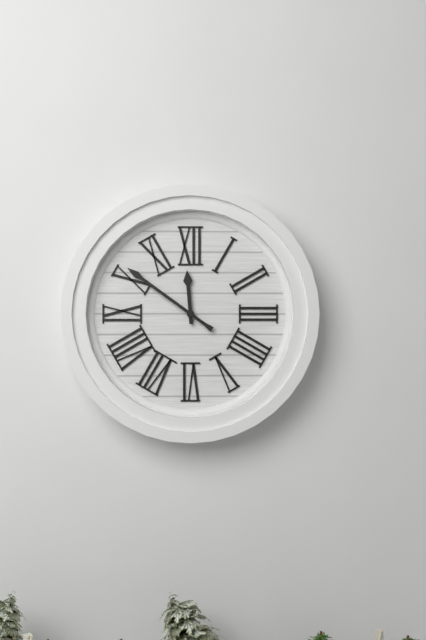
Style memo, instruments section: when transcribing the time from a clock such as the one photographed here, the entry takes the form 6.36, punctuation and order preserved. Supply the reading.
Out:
11.51
